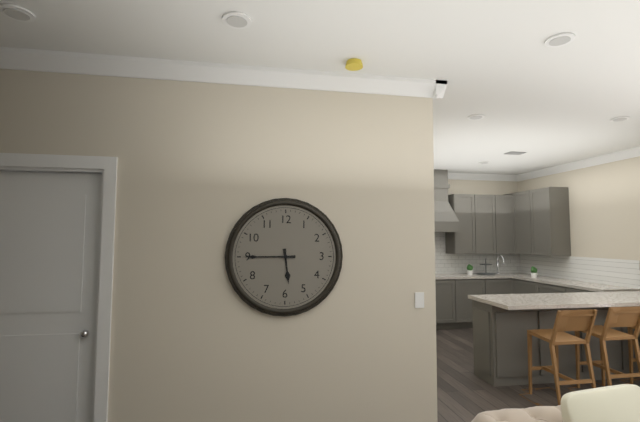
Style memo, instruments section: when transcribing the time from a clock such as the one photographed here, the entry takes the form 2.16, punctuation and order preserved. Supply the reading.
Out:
5.45
